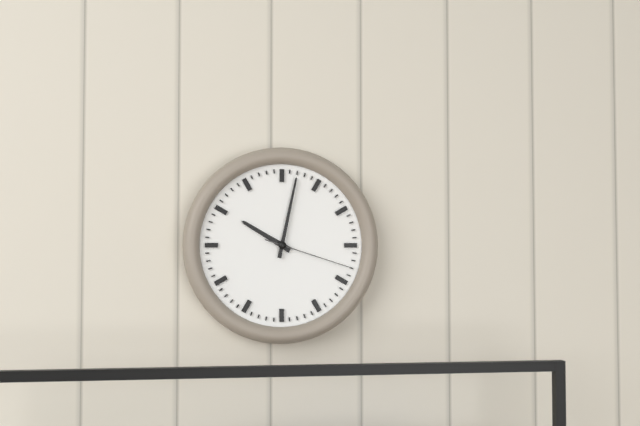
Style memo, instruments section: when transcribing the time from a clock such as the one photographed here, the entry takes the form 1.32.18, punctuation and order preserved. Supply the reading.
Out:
10.02.18
